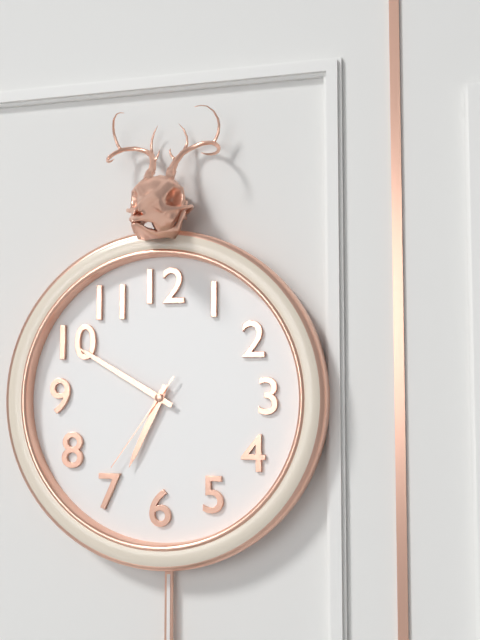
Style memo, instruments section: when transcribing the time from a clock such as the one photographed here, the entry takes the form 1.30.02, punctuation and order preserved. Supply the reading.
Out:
6.50.36
